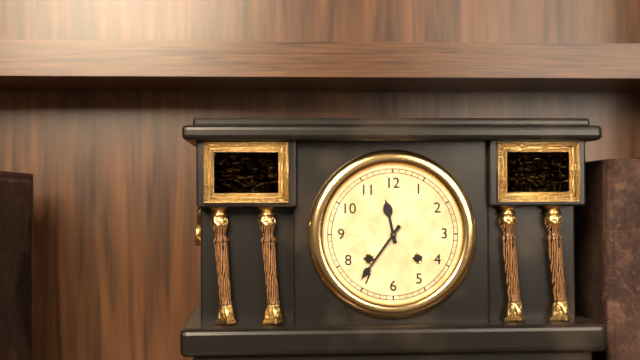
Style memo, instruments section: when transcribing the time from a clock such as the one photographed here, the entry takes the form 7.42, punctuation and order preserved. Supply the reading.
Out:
11.36
